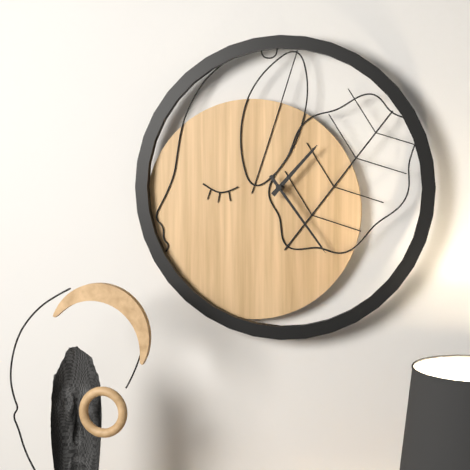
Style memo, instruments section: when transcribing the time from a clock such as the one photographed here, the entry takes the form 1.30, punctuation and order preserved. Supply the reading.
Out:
1.24
